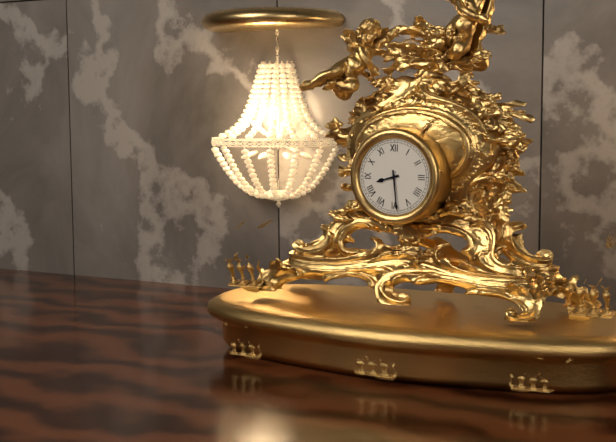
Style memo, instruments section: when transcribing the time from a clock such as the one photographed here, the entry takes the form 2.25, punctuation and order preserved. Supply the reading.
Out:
8.29
